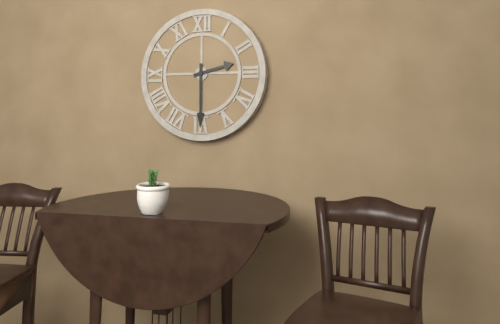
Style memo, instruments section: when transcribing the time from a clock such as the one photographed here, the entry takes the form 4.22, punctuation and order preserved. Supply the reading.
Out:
2.30
